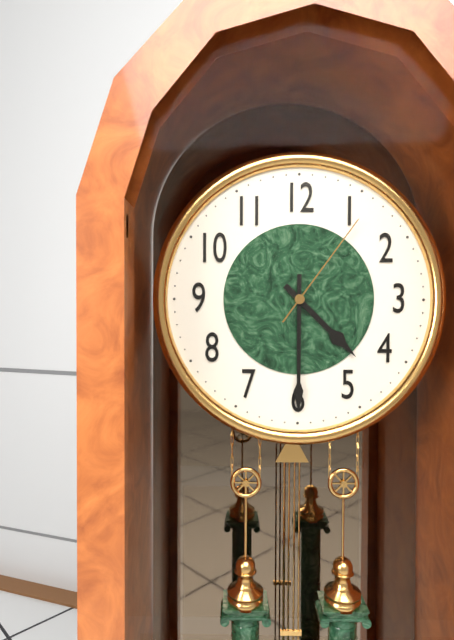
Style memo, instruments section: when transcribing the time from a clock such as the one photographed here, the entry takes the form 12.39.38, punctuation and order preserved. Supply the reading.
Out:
4.30.06
